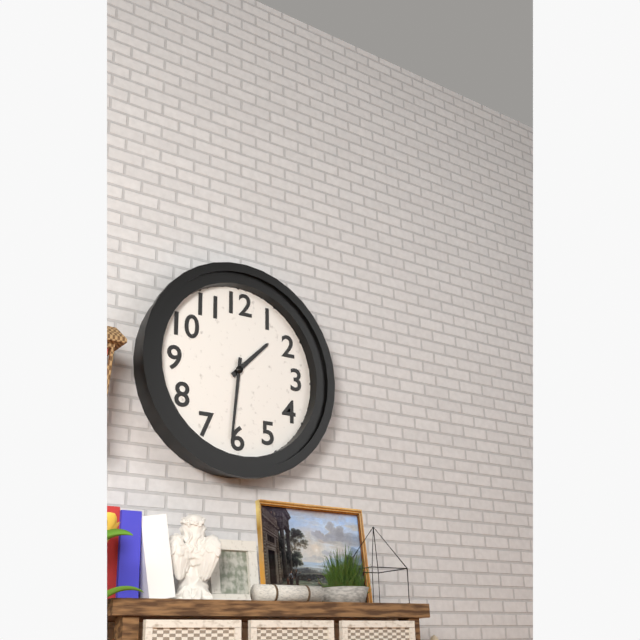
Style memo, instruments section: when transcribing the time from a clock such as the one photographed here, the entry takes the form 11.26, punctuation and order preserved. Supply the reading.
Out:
1.31
